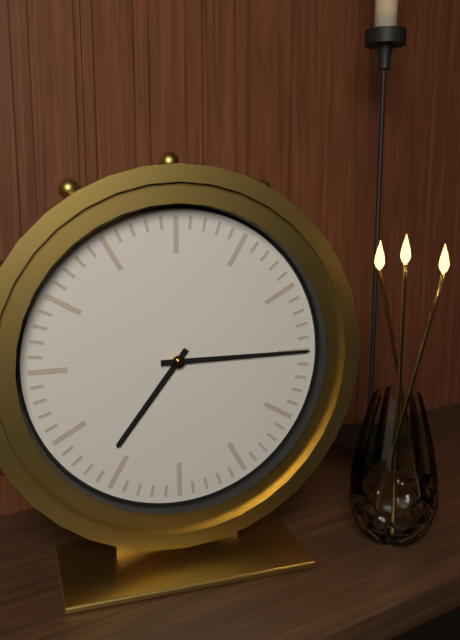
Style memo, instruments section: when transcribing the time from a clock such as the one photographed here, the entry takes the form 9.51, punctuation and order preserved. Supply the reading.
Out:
7.15
